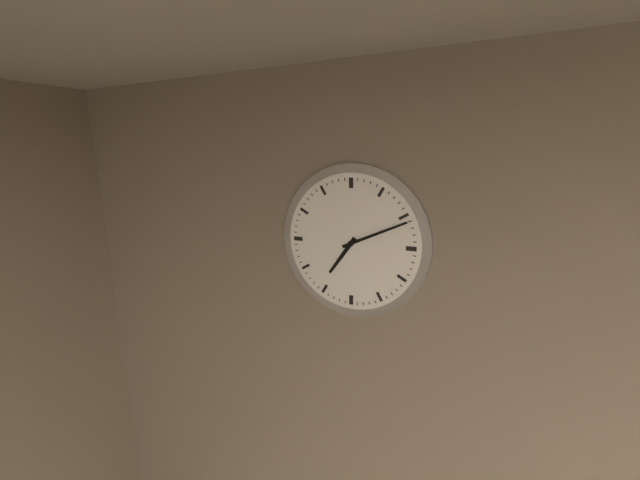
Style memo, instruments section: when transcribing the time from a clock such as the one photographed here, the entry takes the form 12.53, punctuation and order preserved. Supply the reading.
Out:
7.11
